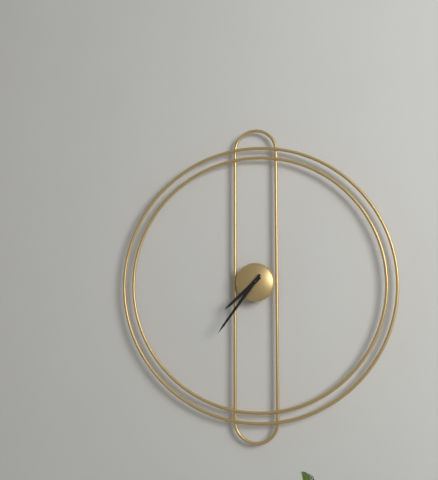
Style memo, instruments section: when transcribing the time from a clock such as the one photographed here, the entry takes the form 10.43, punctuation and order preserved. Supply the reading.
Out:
7.36
